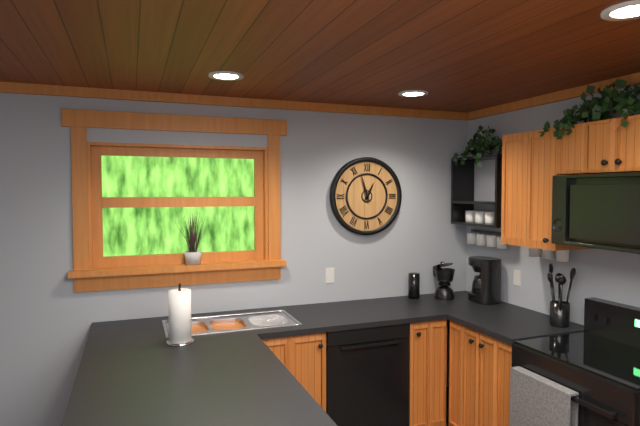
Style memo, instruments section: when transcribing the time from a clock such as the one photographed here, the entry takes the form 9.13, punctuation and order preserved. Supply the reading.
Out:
12.57
